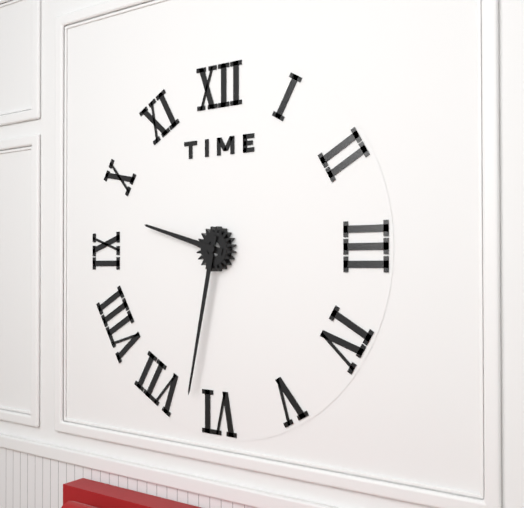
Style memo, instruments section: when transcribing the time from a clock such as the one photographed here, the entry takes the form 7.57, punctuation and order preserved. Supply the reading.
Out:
9.32
